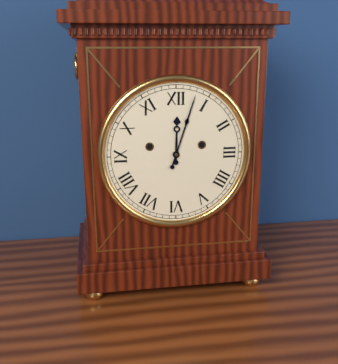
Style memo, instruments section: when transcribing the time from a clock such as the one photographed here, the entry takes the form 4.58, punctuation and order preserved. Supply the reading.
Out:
12.03
